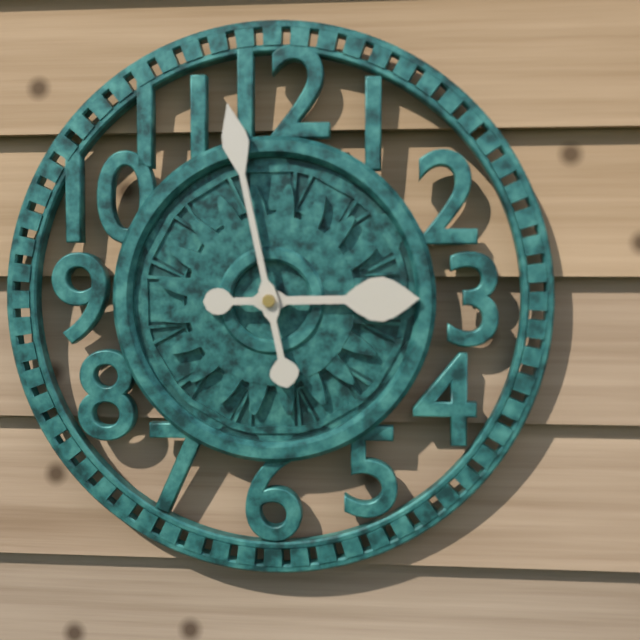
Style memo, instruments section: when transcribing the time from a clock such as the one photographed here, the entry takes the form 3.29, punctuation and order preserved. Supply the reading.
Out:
2.58
